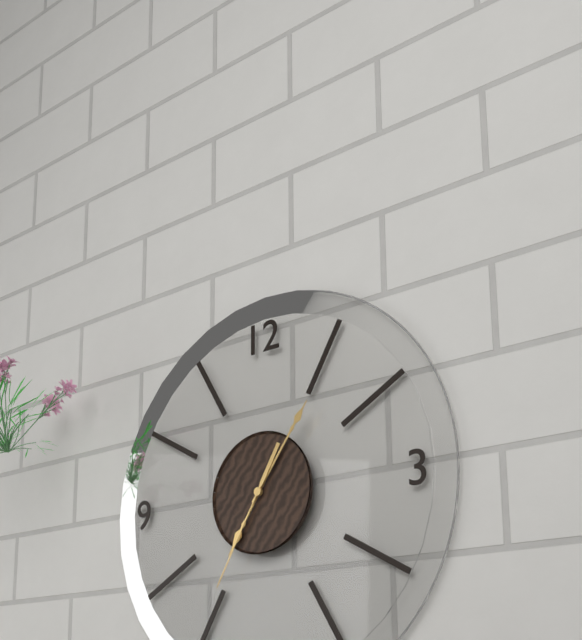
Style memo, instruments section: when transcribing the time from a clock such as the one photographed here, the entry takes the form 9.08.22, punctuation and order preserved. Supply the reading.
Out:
7.06.35
